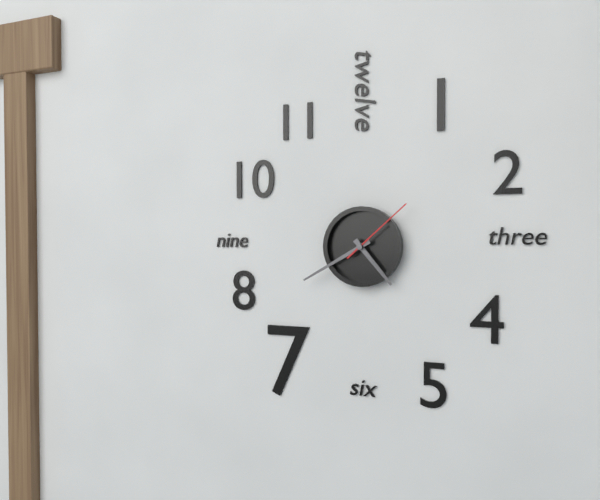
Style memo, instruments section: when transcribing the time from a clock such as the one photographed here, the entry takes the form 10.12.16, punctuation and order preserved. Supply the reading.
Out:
4.40.08
